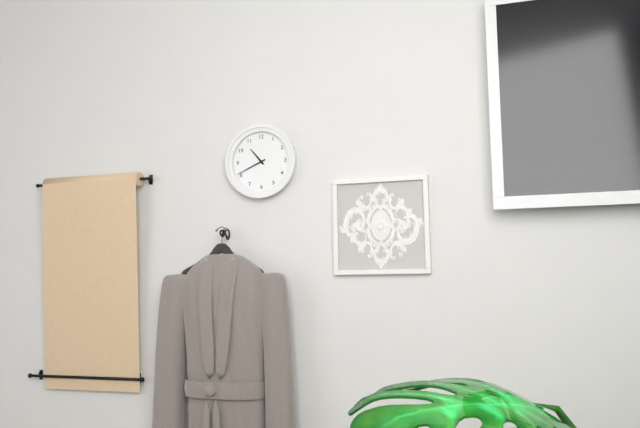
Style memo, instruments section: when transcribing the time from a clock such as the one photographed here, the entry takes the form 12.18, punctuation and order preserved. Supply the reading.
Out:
10.41
